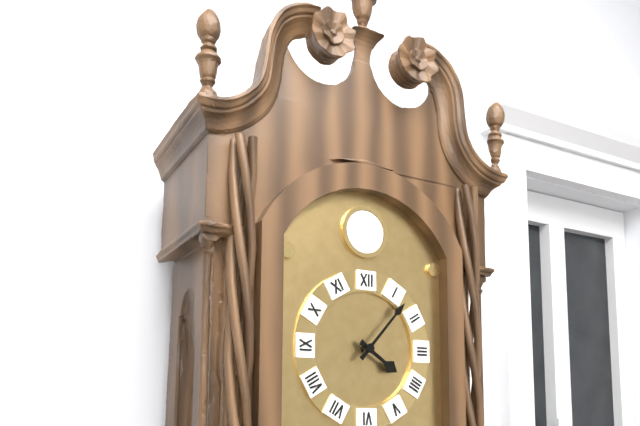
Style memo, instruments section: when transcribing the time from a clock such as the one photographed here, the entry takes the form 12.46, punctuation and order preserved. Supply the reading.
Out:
4.07
